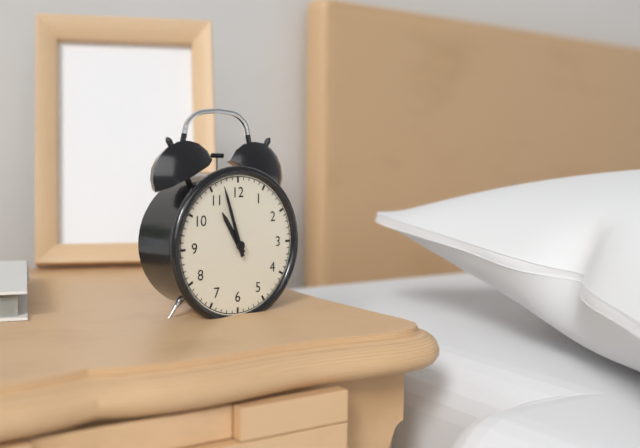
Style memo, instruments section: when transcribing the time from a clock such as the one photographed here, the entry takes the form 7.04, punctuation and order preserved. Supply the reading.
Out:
10.57
